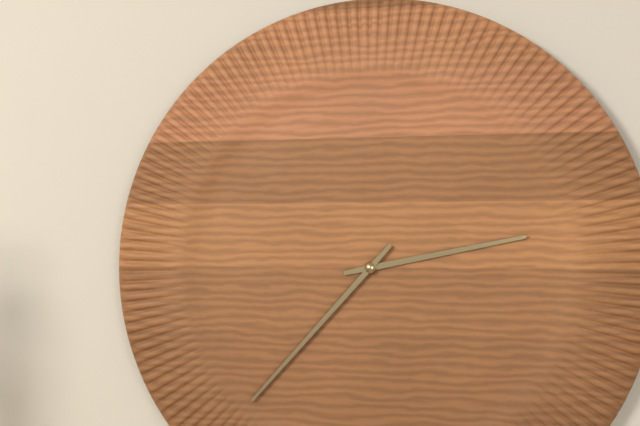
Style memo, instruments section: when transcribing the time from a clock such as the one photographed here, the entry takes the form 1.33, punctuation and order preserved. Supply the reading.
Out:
2.37
